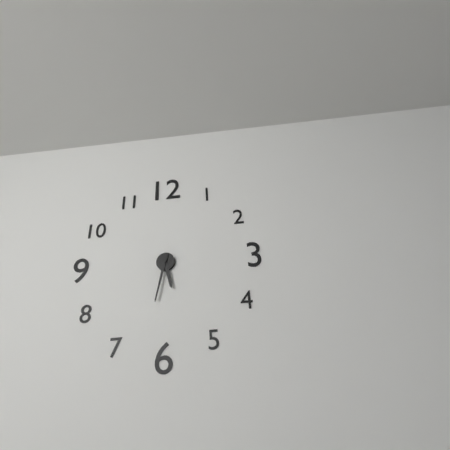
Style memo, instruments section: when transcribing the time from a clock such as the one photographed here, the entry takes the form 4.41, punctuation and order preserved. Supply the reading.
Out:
5.32
